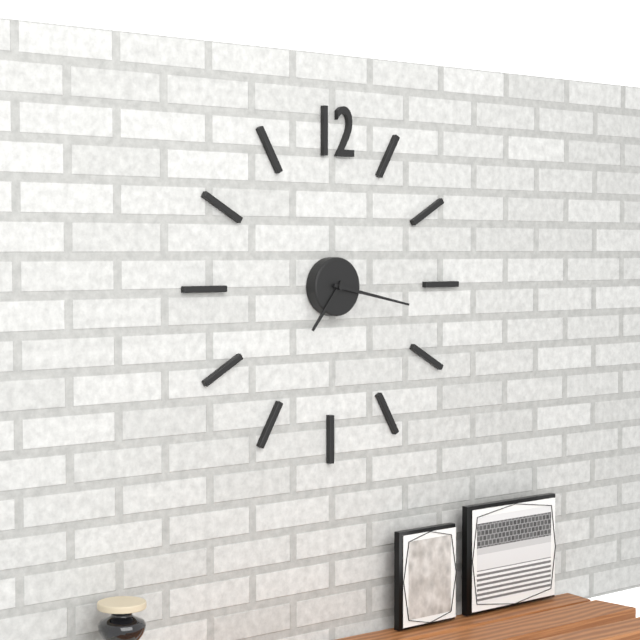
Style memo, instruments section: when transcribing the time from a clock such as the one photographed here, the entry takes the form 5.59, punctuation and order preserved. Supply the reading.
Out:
7.17
